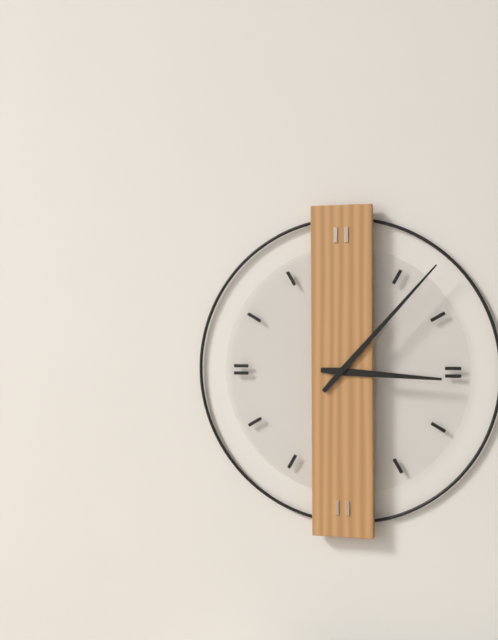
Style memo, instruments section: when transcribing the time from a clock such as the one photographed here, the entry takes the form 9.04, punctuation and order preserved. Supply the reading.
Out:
3.07
